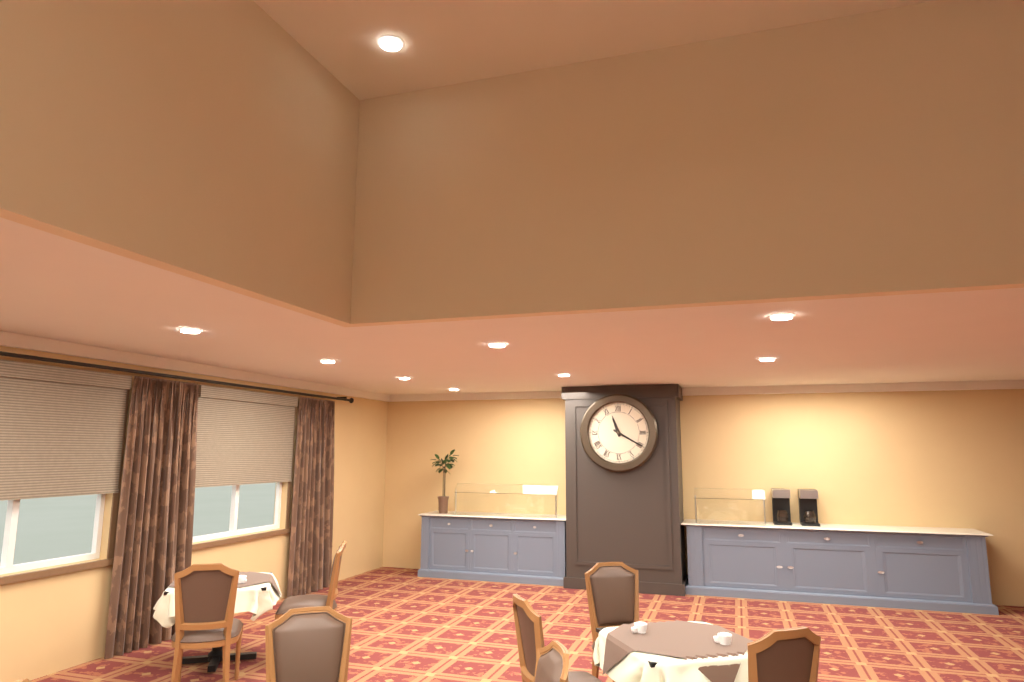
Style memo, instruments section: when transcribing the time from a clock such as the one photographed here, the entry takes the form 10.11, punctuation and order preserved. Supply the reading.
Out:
11.20
